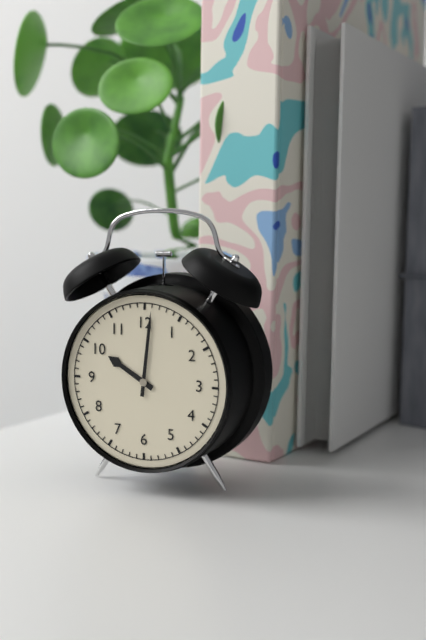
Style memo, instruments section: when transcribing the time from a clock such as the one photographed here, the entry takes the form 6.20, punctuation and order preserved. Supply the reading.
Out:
10.01
